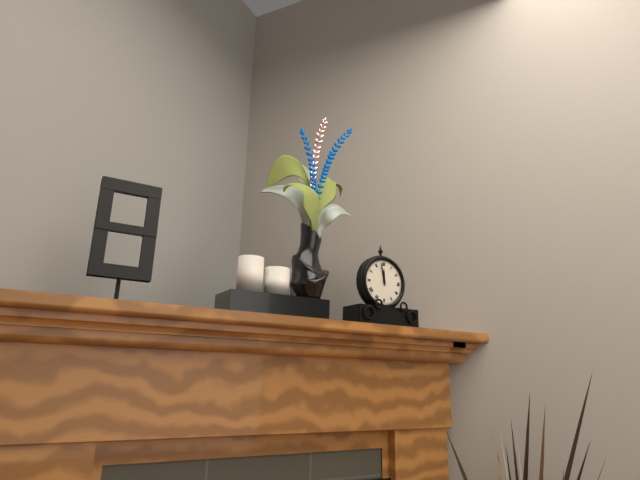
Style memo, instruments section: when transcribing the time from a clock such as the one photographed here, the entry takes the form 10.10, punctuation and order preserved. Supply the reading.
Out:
11.58
